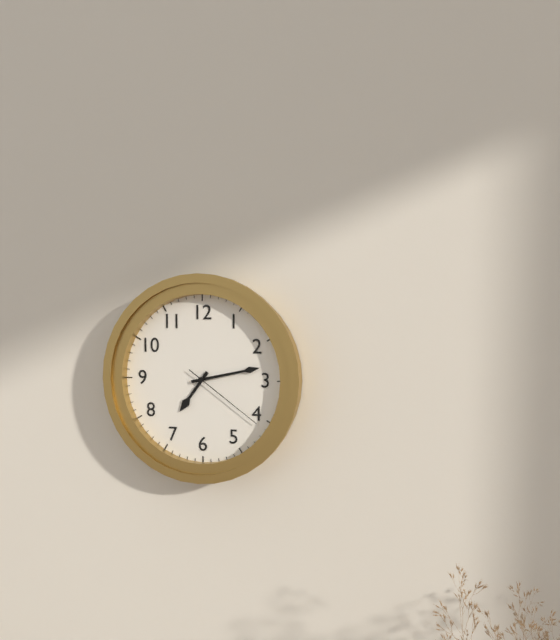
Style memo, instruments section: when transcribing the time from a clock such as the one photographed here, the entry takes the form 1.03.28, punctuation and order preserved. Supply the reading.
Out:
7.13.21
